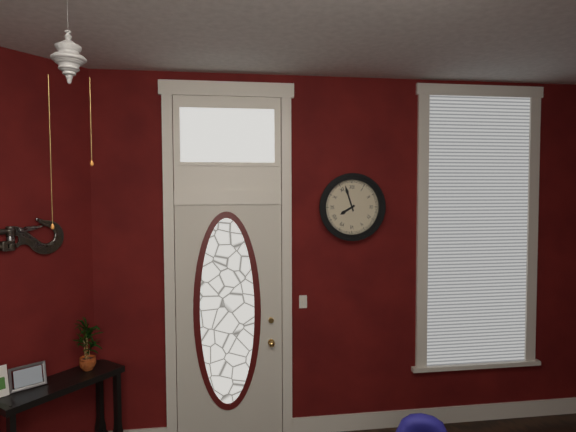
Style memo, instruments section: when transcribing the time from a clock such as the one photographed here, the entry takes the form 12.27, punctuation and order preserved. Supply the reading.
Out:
7.57
